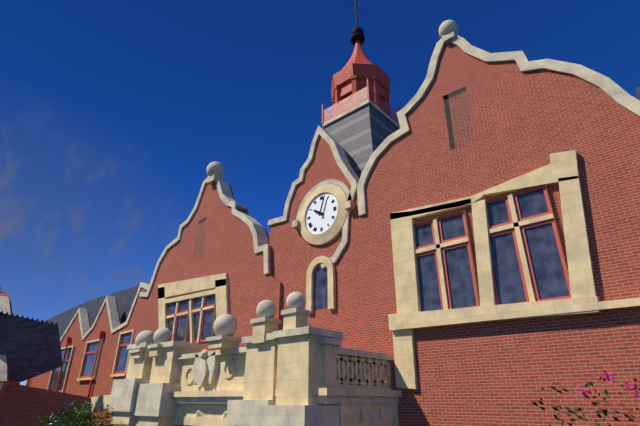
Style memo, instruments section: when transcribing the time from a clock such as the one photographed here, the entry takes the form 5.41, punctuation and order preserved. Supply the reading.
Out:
10.03
